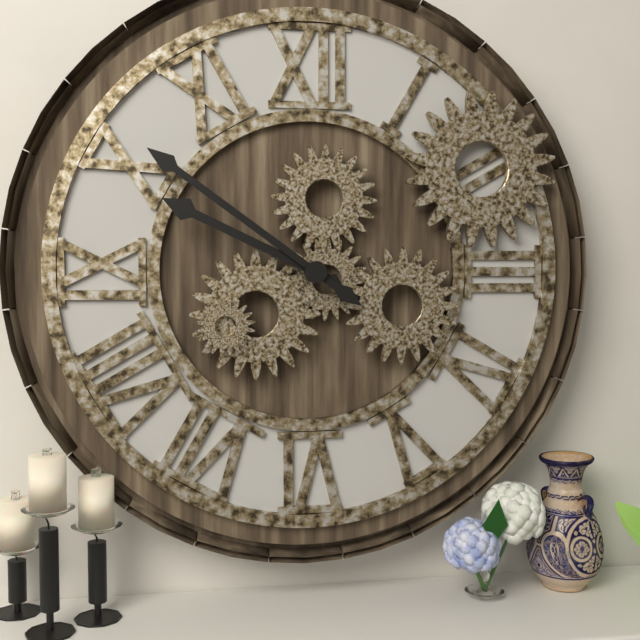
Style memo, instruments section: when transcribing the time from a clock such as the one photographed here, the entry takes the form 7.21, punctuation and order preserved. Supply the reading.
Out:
9.51
